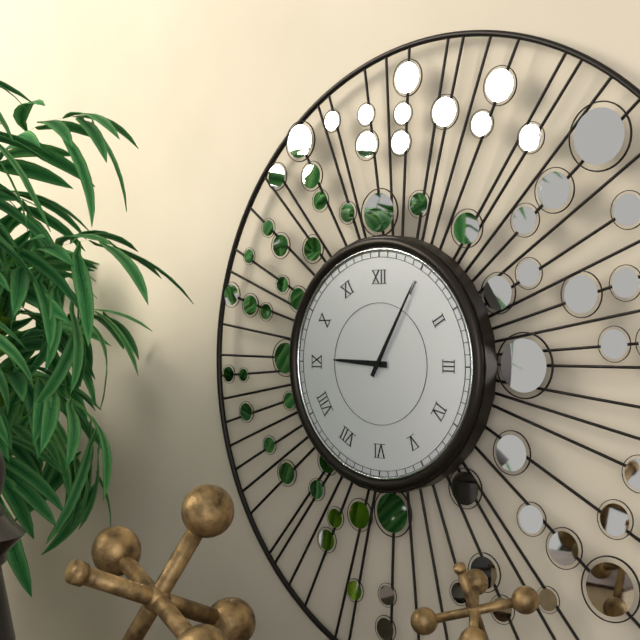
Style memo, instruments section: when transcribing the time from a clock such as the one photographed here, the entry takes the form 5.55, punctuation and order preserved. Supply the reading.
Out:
9.05
